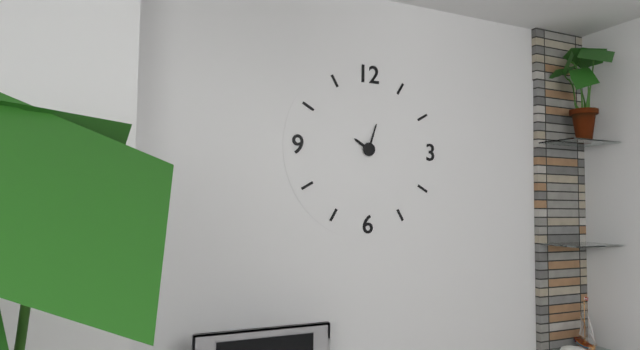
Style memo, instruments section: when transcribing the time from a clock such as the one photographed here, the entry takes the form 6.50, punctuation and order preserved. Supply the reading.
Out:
10.03
